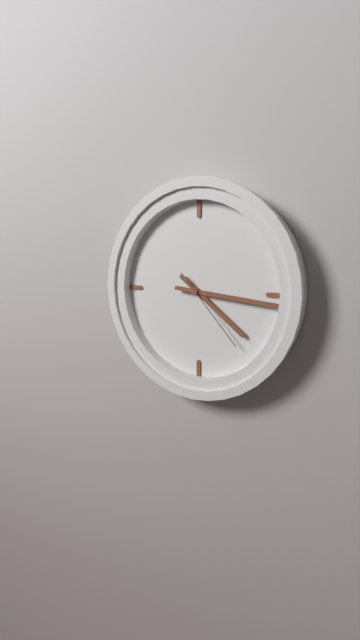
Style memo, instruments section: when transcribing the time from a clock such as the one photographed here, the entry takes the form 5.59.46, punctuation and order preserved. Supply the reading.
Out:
4.16.23
